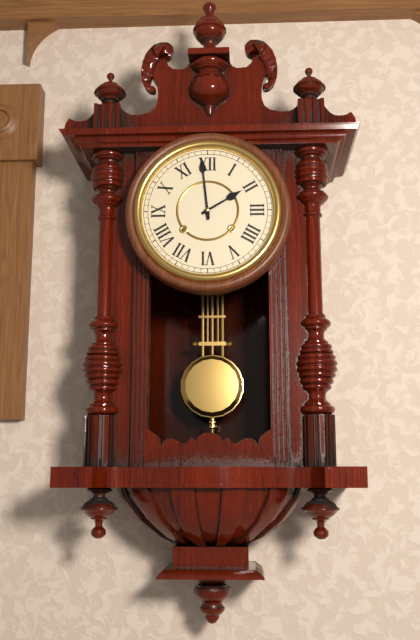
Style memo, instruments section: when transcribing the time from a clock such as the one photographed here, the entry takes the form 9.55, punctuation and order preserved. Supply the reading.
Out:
1.59
